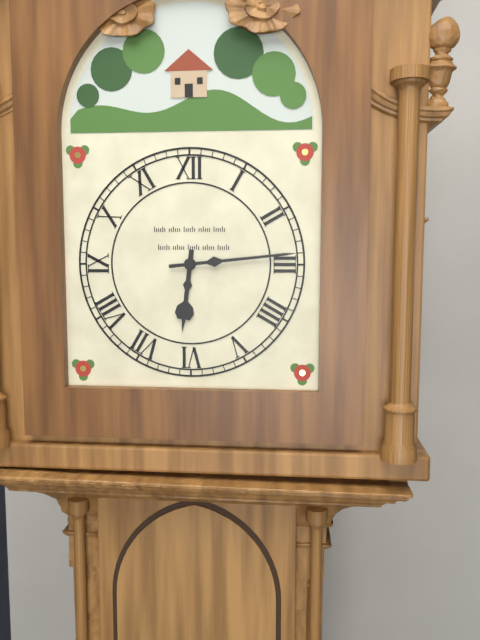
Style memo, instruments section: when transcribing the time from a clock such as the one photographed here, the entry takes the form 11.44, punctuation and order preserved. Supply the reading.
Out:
6.14
